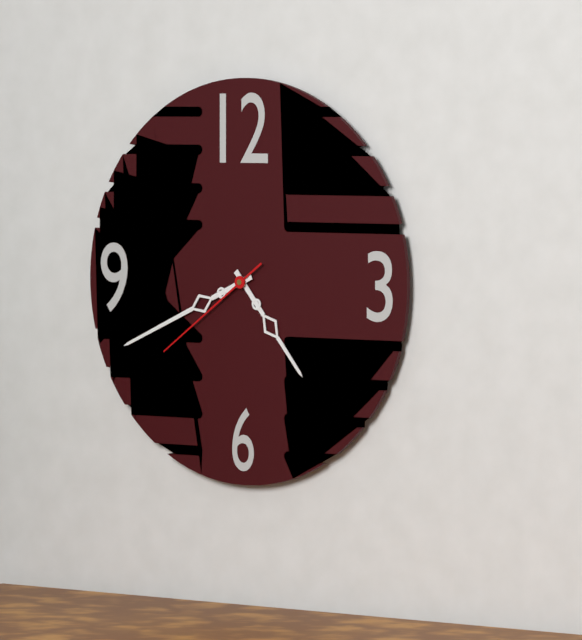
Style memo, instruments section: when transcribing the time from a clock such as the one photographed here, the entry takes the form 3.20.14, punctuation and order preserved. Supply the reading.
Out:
4.41.39
